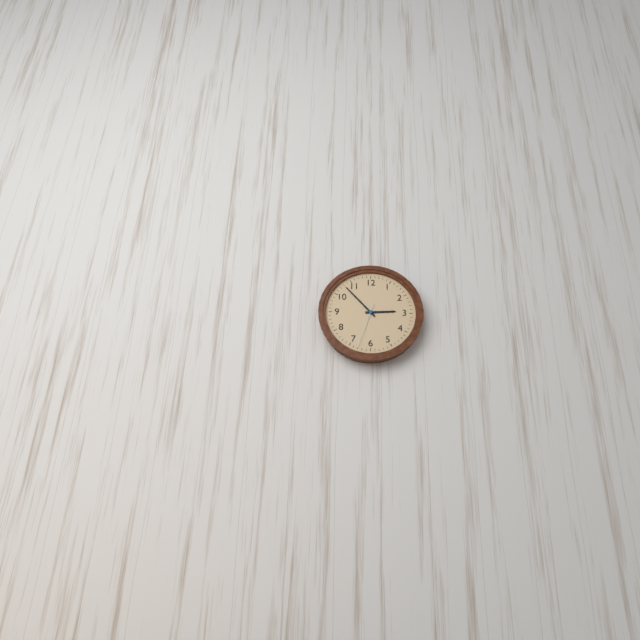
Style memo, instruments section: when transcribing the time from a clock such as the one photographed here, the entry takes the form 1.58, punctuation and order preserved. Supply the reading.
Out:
2.53
